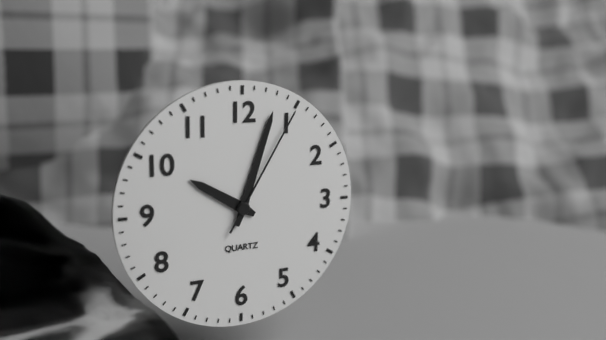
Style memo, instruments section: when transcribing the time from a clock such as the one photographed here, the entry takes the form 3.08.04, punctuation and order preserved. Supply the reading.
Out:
10.03.05
